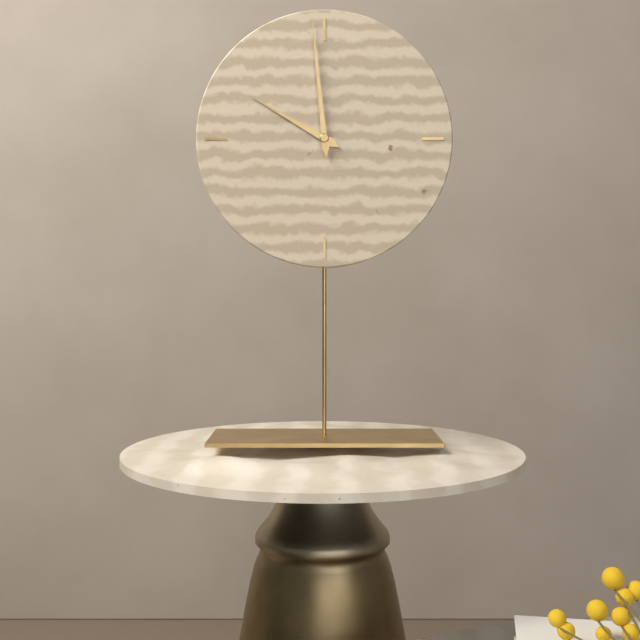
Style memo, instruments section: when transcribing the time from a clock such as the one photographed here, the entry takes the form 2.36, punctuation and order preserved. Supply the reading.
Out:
9.59
